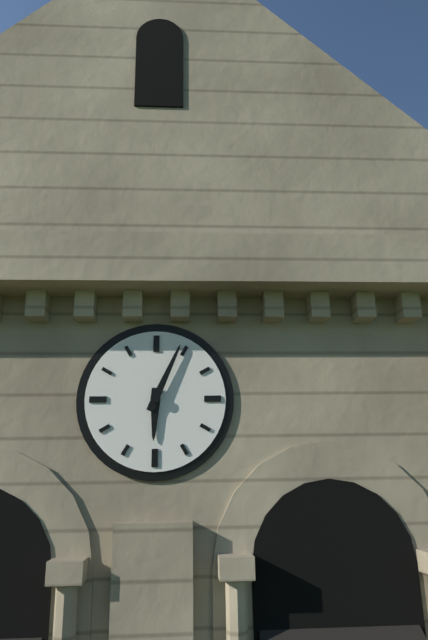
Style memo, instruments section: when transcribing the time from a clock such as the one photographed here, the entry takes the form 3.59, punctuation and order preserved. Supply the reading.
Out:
6.04
